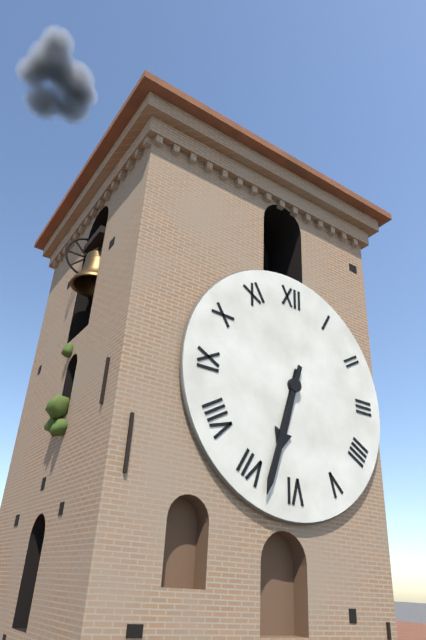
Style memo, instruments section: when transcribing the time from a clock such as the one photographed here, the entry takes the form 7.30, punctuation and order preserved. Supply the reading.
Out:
6.33
